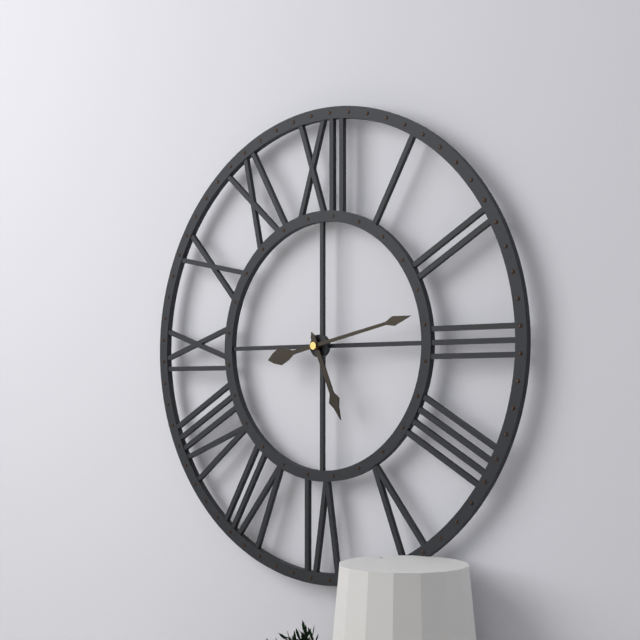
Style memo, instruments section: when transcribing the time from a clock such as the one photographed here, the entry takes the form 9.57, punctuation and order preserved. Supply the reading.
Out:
5.13
